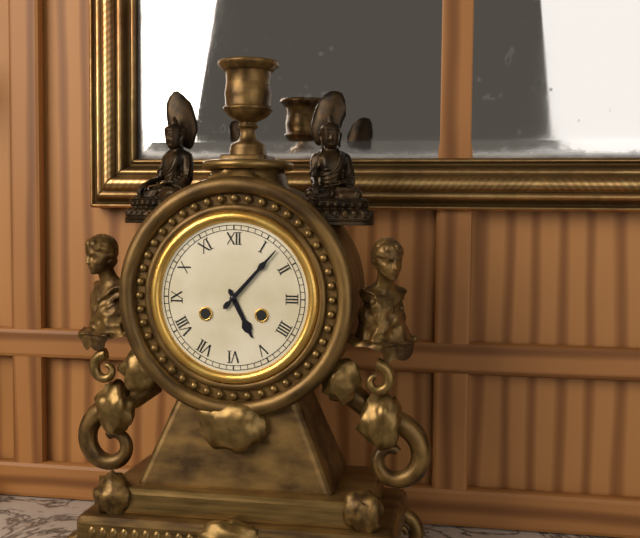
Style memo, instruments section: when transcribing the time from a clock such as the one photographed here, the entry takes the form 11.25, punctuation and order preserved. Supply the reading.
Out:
5.07
